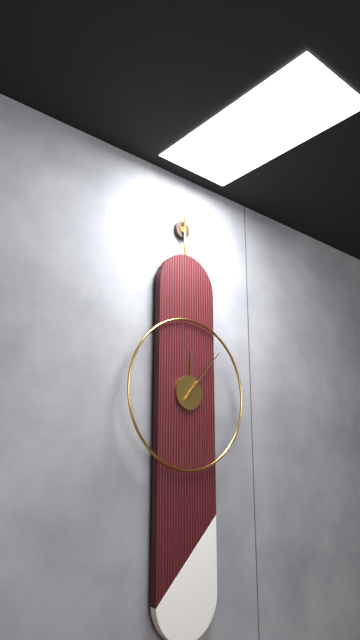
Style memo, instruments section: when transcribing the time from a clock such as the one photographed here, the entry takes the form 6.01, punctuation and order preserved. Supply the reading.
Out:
12.07
